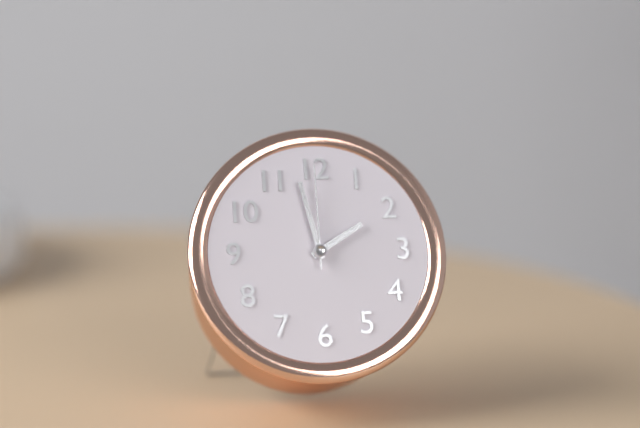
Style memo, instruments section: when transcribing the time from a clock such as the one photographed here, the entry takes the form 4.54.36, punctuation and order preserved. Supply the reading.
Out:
1.58.00
